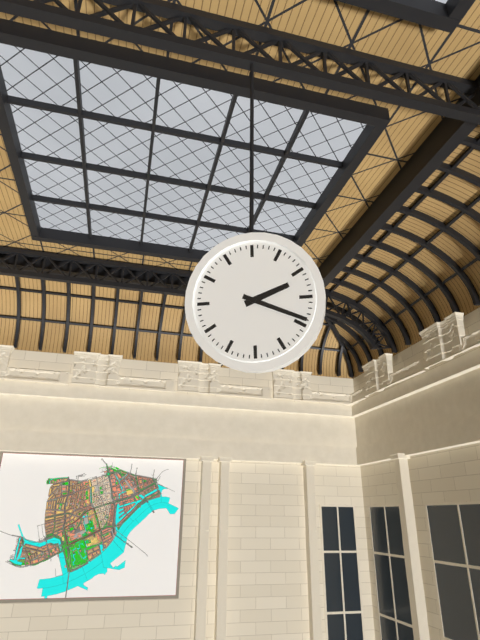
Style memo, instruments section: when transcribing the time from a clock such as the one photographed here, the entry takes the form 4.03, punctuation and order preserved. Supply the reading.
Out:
2.19
